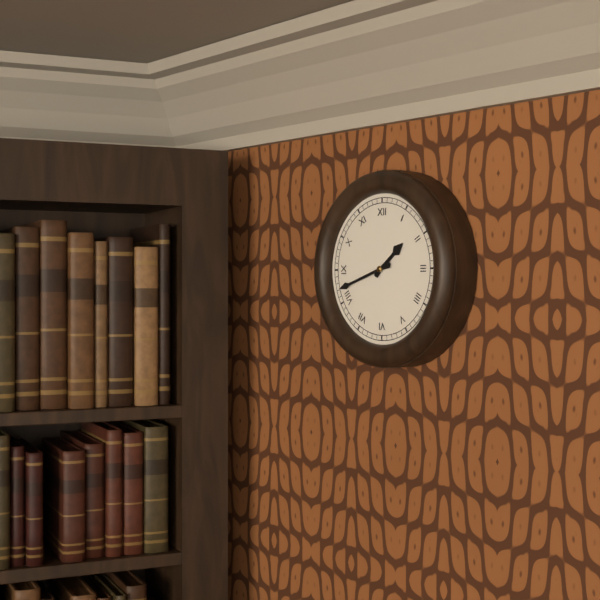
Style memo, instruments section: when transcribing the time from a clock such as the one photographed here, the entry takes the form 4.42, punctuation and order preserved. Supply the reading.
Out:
1.42
